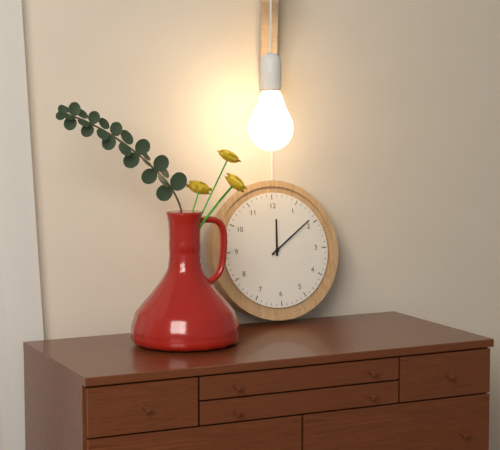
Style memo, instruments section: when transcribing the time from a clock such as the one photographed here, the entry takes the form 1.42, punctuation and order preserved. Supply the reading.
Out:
12.09
